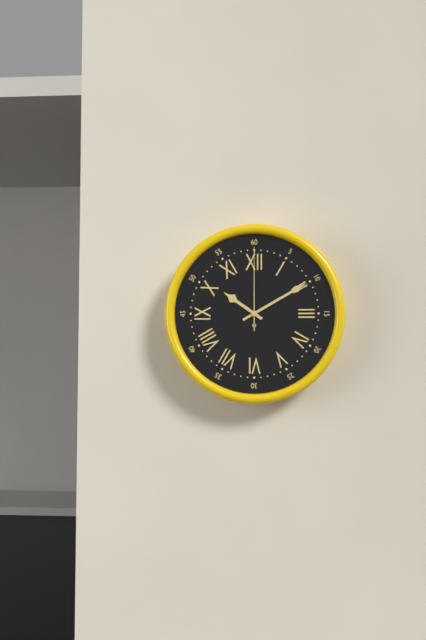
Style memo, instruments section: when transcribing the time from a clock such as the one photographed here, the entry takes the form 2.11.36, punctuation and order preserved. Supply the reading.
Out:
10.10.00
